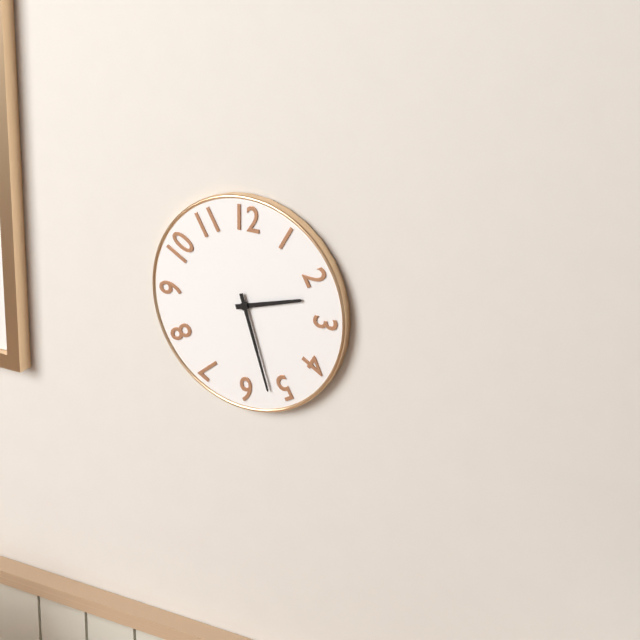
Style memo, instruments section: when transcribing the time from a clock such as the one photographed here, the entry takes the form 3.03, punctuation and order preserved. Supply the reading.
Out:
2.27
